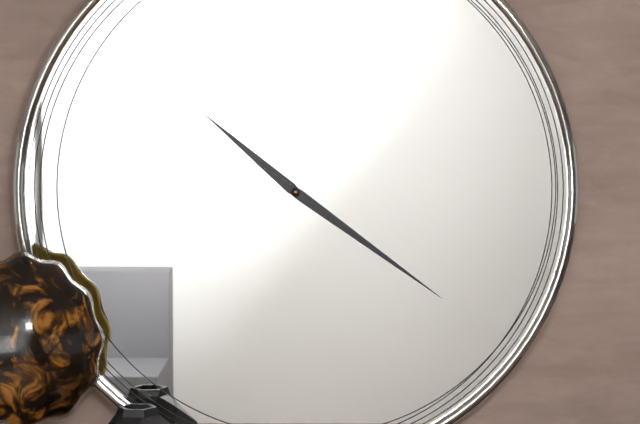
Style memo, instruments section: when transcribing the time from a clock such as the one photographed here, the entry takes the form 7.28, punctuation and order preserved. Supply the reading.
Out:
10.21
